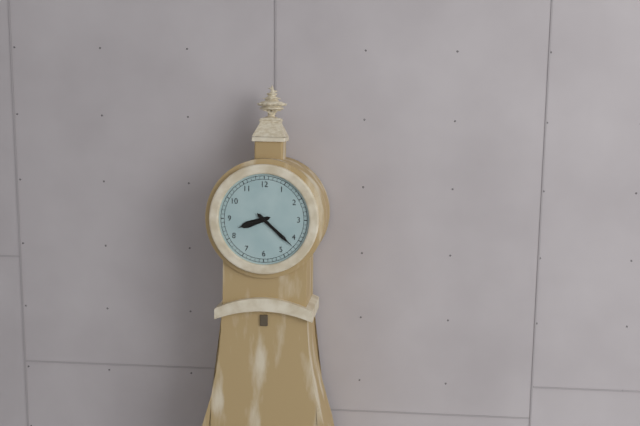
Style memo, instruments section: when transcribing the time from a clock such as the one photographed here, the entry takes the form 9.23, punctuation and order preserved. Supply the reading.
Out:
8.22
